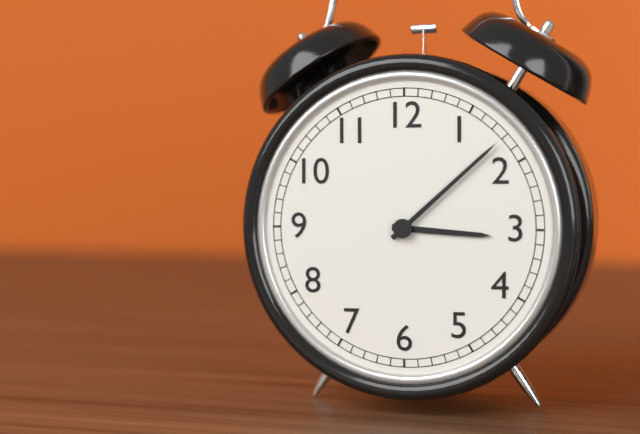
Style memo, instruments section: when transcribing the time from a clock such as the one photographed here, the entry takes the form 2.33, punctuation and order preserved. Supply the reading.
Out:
3.08
